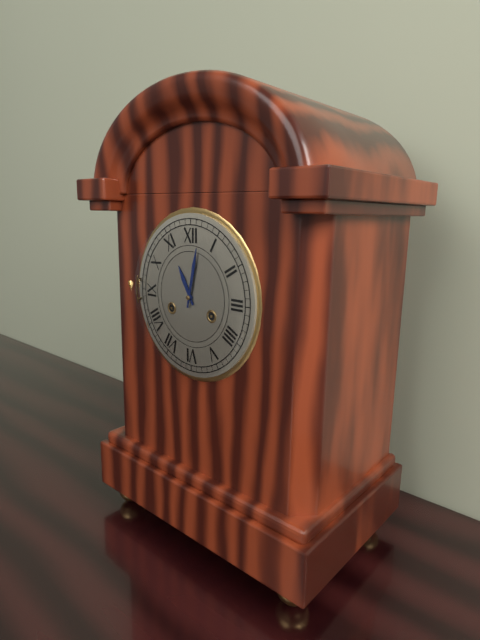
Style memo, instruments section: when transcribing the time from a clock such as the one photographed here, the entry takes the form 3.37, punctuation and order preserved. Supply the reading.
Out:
11.02
